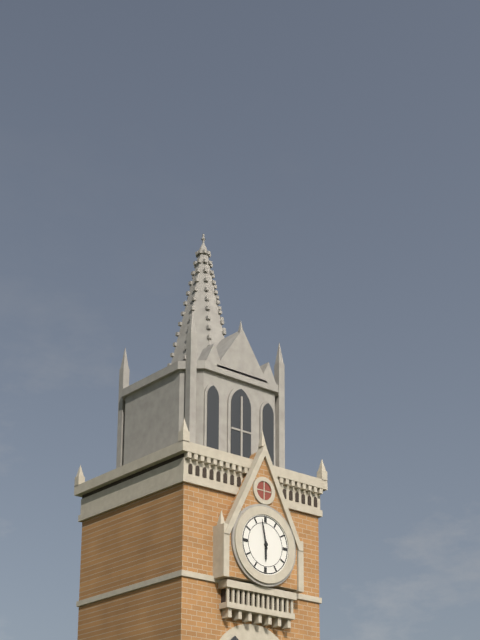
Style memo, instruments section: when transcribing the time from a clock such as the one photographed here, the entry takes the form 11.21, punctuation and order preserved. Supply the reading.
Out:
5.58
